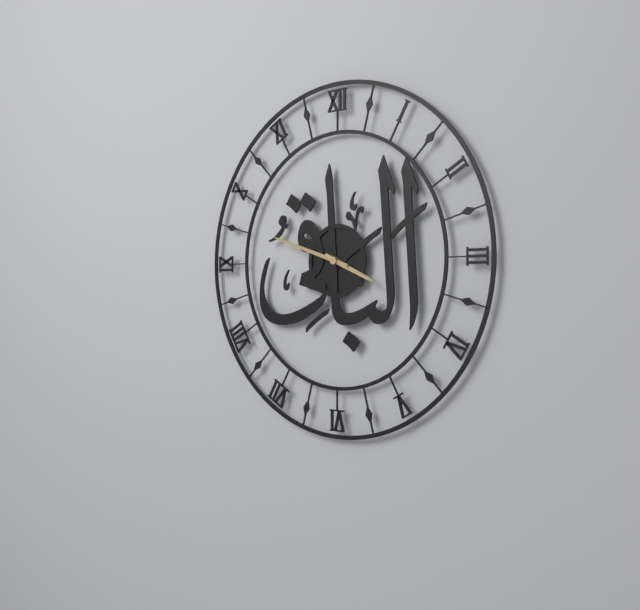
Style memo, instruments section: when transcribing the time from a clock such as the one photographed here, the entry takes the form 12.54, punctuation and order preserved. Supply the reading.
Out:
3.48
